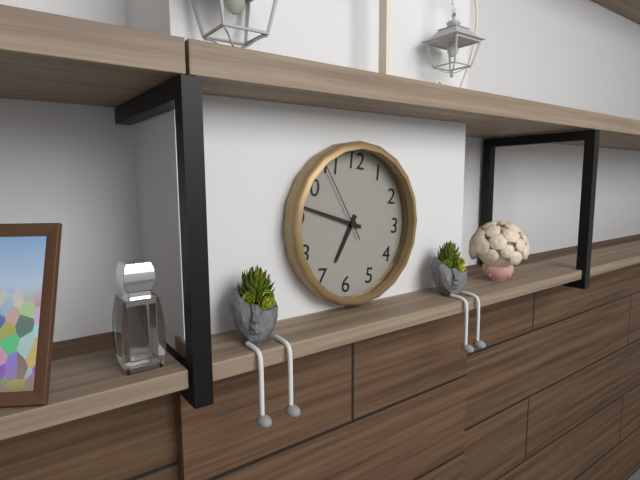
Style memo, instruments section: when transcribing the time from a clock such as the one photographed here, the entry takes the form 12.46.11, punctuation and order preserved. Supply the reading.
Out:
6.47.54
